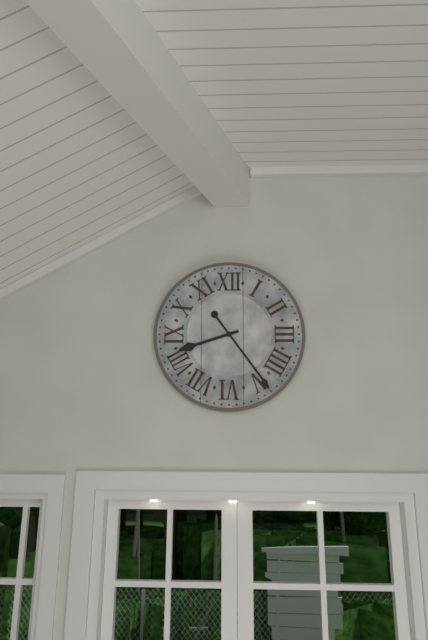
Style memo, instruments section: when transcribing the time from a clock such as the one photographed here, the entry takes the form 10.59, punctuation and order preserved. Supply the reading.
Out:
8.24
